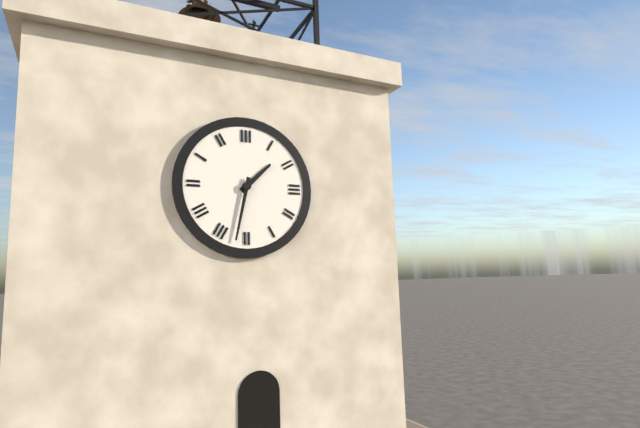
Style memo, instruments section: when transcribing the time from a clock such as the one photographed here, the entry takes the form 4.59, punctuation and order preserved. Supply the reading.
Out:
1.32
